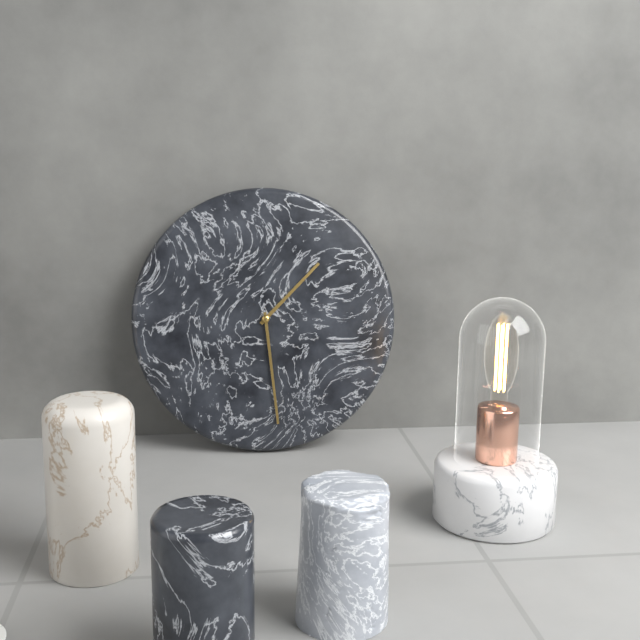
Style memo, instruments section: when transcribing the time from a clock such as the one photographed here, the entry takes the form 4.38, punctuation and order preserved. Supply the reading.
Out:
1.29
